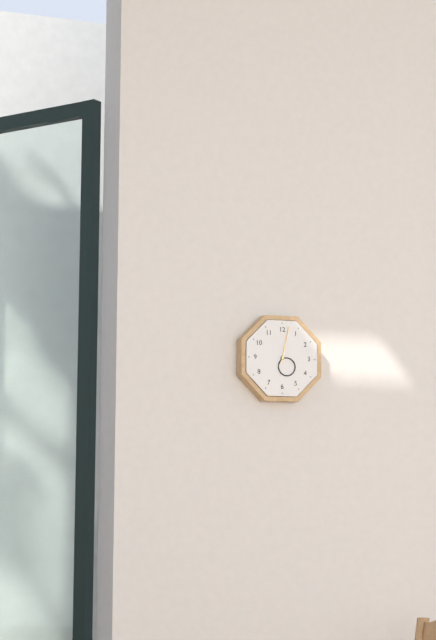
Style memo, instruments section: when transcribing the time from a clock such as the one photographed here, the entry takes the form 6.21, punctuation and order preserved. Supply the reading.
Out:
5.02
